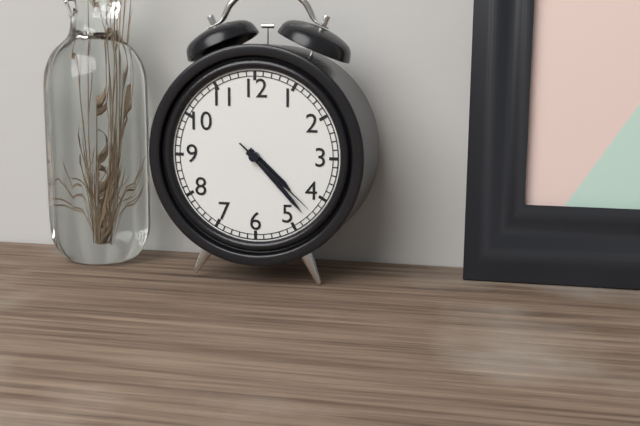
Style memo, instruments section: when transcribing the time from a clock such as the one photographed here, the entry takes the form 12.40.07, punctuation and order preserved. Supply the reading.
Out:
4.23.22
